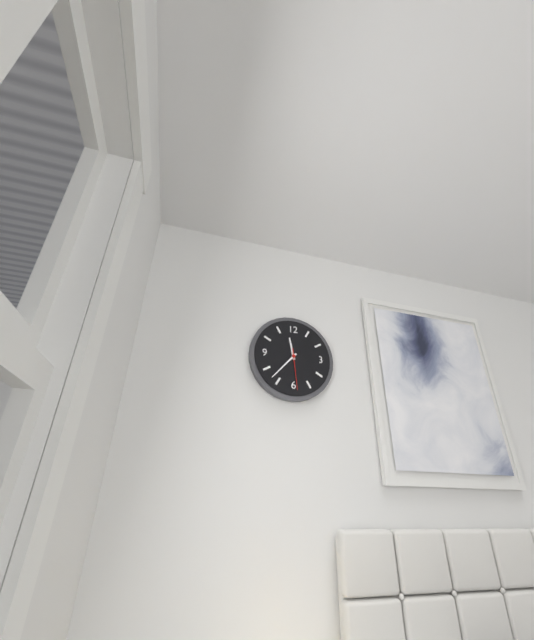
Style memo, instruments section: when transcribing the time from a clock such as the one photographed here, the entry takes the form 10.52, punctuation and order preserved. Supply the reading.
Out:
11.37
